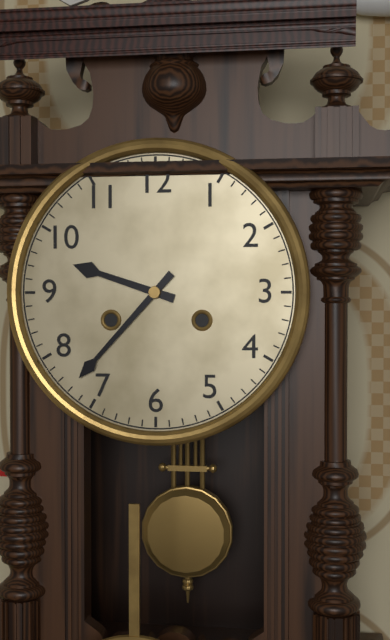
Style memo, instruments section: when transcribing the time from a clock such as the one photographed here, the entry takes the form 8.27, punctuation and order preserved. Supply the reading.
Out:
9.37
